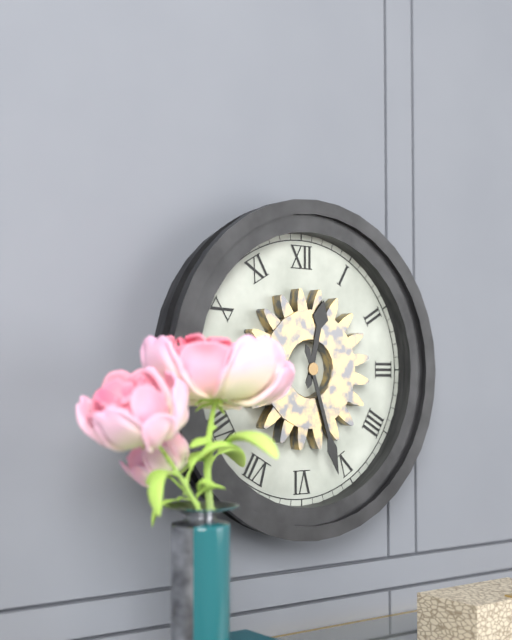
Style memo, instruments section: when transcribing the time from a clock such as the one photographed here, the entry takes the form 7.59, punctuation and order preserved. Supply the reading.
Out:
12.27
